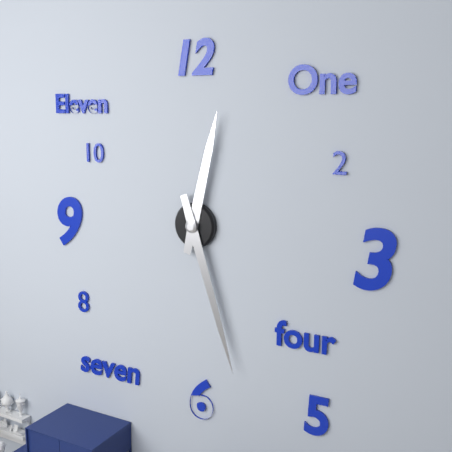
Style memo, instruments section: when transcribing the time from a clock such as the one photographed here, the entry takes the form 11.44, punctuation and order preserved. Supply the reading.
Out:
12.27
